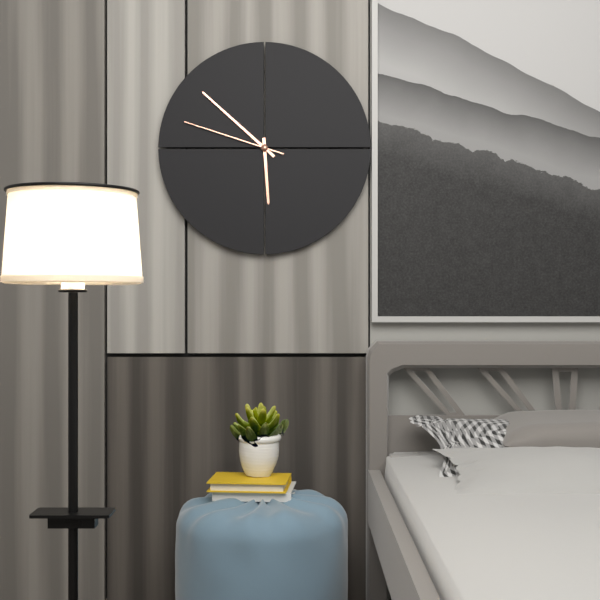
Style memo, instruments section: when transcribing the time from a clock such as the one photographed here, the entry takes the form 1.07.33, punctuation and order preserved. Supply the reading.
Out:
5.52.48
